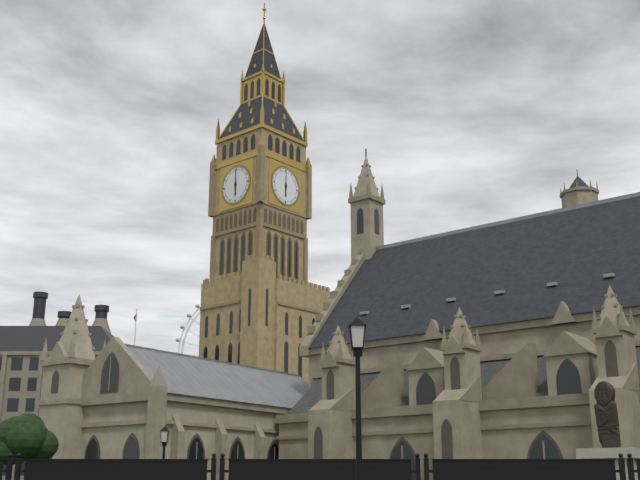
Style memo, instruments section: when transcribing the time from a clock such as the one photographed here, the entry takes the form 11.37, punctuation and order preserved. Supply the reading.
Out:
6.00
